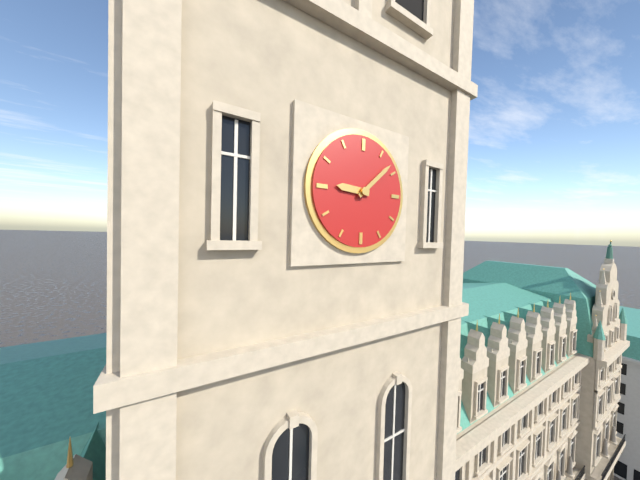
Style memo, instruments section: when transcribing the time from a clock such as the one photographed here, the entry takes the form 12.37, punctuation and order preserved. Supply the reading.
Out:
9.08
